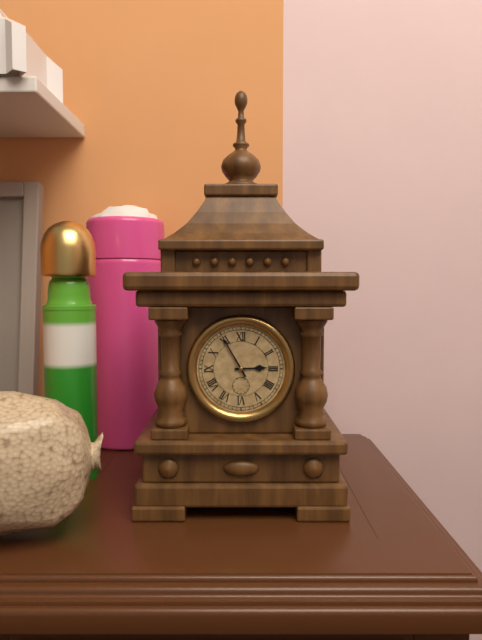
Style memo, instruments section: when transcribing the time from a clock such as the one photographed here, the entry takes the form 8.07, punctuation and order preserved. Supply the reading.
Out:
2.55
